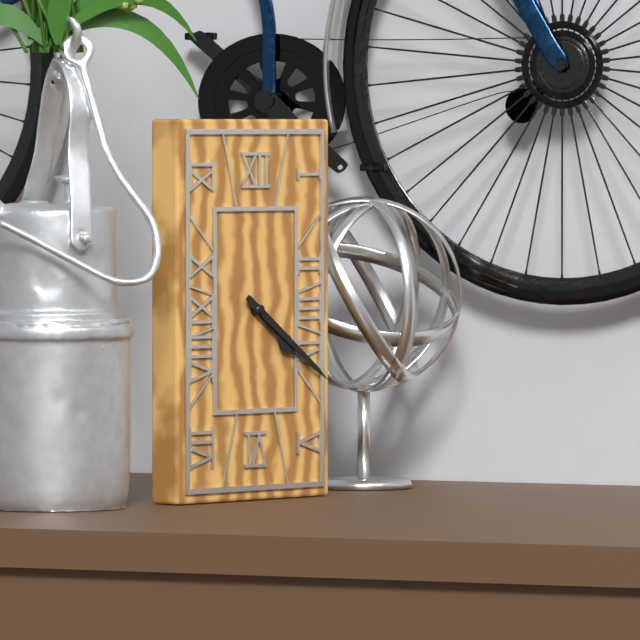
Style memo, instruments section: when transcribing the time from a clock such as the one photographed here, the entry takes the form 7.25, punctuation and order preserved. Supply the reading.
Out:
4.21
